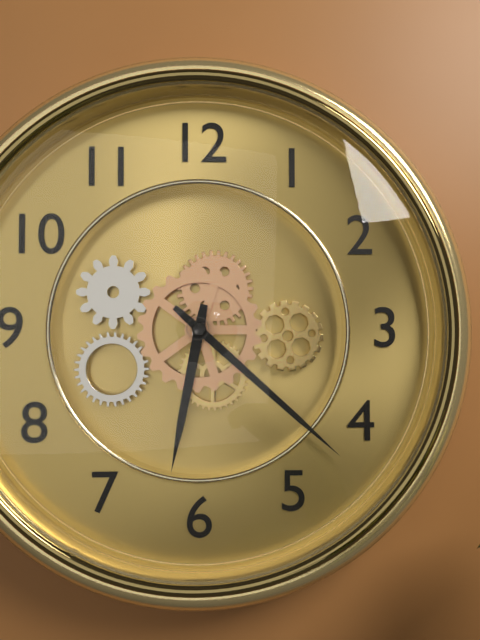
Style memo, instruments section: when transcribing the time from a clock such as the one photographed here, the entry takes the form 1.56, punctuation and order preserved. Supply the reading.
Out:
6.22
